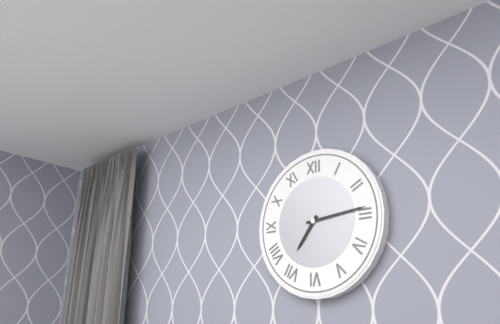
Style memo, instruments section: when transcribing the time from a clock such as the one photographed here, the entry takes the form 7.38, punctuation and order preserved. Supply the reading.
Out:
7.14
